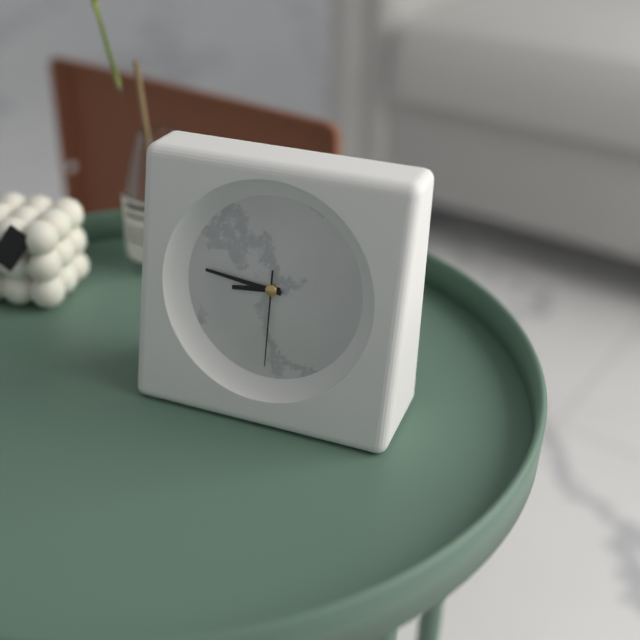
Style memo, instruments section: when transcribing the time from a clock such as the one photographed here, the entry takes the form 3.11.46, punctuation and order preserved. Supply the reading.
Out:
8.46.30
